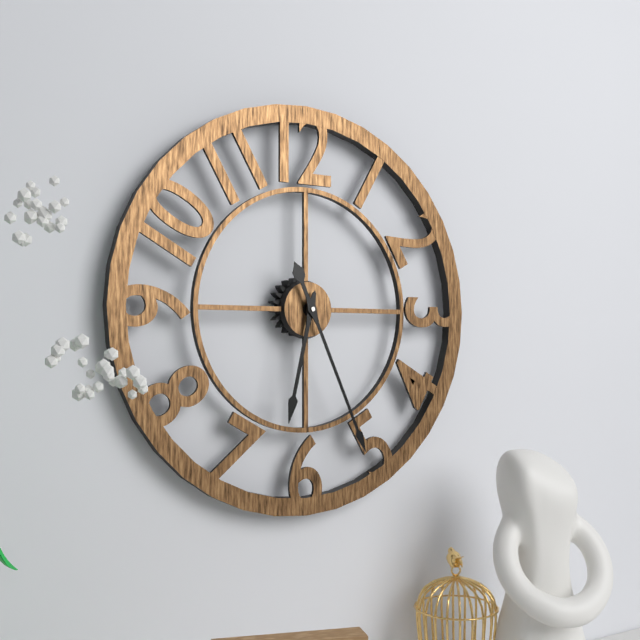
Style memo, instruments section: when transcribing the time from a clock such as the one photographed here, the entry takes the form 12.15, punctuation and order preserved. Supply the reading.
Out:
6.26
